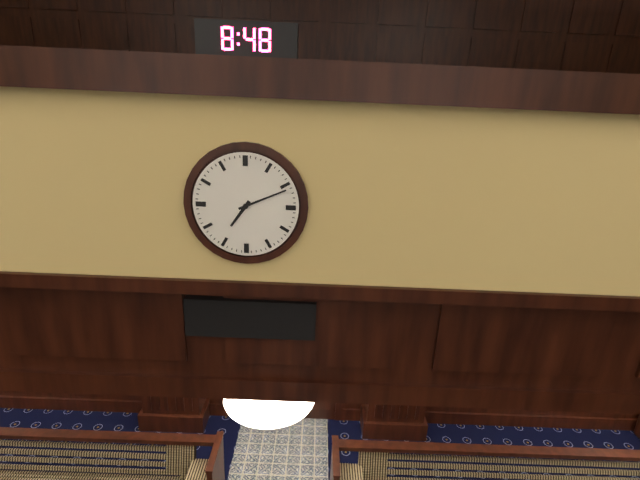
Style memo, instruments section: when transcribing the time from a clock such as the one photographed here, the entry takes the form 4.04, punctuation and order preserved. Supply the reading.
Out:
7.11
